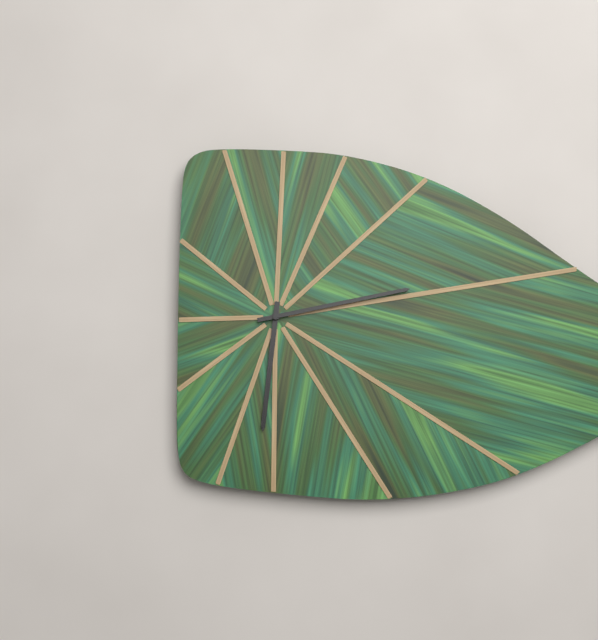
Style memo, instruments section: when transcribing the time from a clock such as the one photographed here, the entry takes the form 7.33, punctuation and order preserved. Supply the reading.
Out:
6.13
